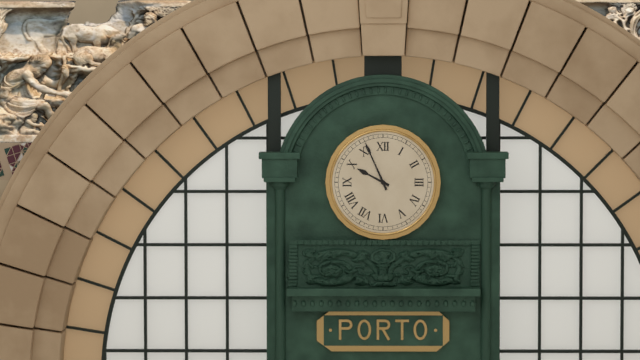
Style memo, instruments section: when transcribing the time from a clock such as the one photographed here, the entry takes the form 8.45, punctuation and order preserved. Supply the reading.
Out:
9.56
